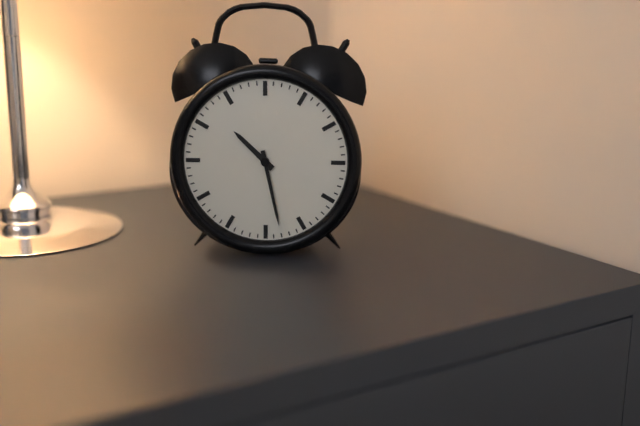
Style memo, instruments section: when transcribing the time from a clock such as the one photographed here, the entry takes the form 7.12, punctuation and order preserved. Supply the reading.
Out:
10.28
